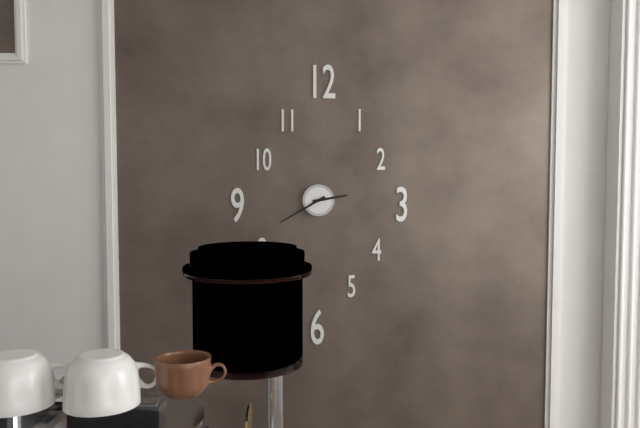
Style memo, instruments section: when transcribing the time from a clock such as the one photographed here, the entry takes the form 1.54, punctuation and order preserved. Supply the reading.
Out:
2.40
